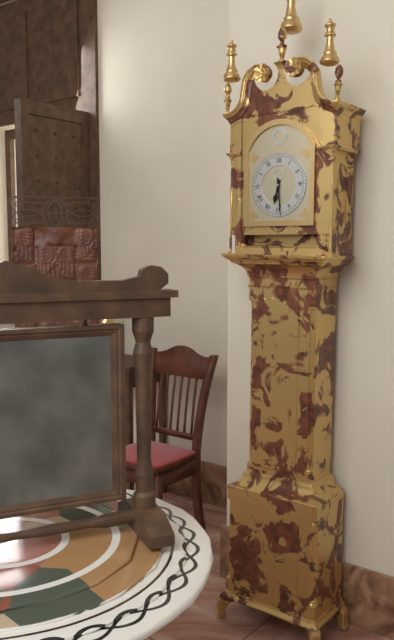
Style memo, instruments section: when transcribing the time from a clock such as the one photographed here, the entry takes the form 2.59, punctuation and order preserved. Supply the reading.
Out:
6.29
